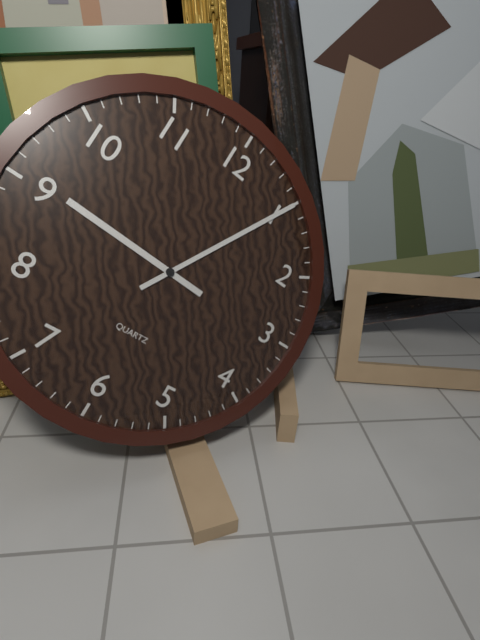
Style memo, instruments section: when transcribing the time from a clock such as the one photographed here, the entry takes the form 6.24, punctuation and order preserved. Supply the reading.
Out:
9.05
